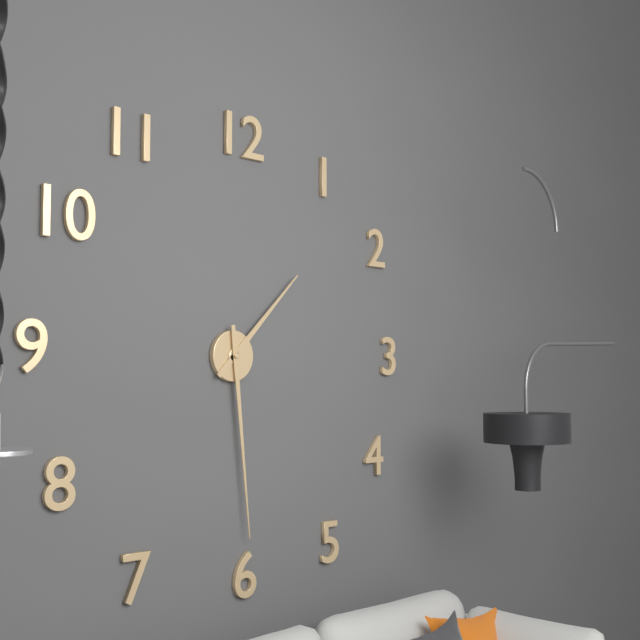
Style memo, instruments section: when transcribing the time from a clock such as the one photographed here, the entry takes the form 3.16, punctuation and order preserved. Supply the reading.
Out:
1.29
